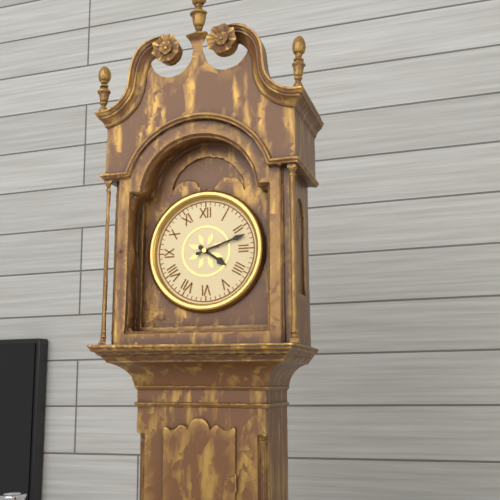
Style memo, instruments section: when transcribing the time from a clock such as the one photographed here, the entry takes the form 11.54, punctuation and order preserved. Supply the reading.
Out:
4.12
